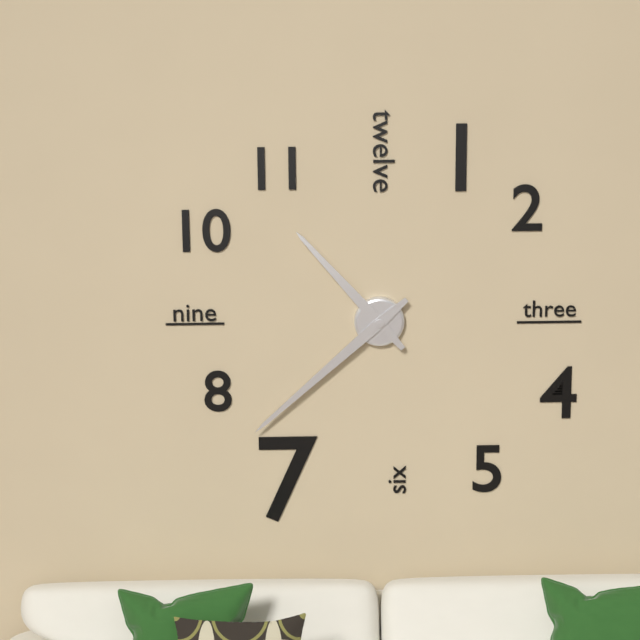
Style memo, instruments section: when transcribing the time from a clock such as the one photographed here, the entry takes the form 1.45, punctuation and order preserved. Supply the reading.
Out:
10.38
